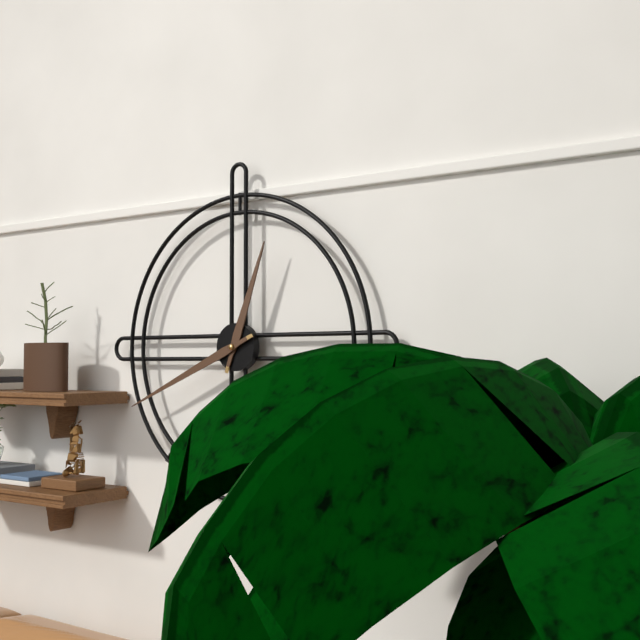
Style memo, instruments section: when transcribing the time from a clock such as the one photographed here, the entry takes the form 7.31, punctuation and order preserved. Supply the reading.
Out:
12.41
